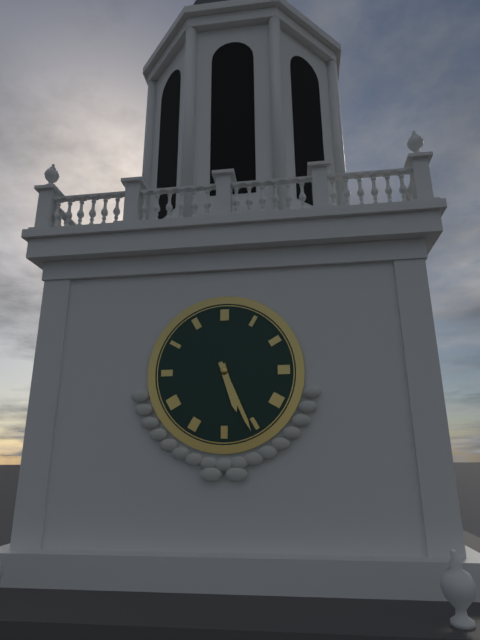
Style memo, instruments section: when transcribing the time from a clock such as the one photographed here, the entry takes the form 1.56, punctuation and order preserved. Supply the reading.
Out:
5.26
